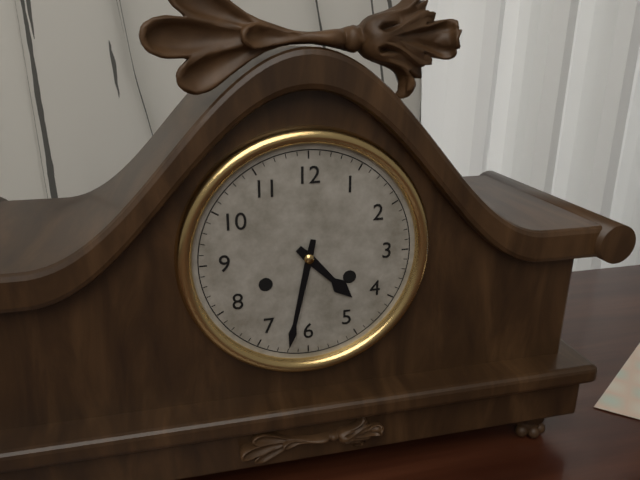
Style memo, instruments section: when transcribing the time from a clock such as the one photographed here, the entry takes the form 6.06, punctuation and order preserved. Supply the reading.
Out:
4.32
